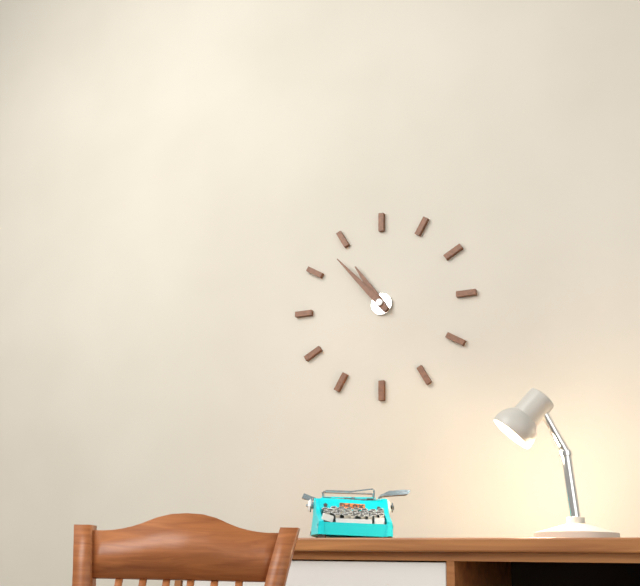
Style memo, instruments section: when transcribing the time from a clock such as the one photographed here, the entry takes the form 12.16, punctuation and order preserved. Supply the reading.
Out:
10.53
